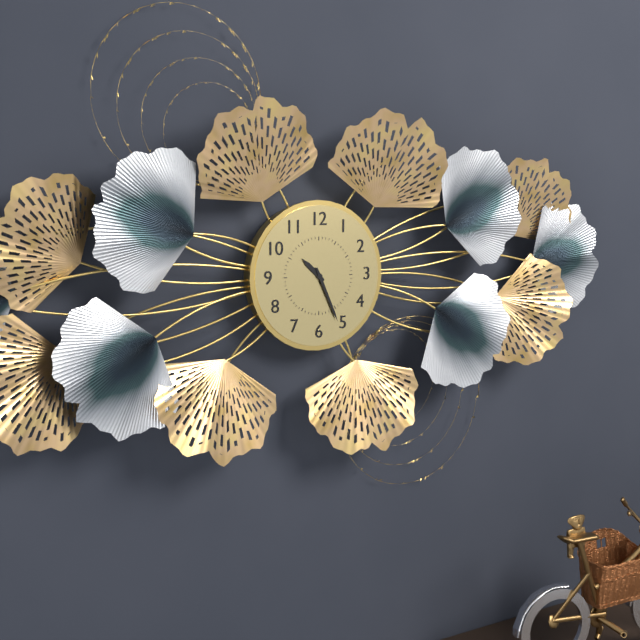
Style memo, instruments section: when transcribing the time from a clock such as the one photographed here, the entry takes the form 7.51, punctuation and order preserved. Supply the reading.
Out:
10.26
